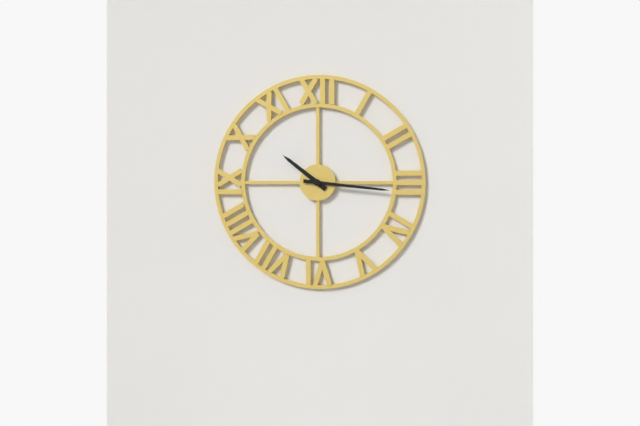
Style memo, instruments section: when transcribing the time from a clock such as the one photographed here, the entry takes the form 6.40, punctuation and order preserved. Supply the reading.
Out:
10.16
